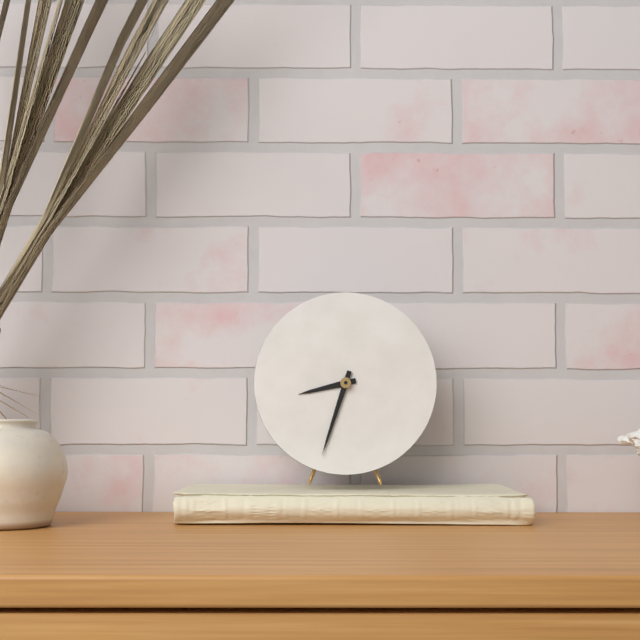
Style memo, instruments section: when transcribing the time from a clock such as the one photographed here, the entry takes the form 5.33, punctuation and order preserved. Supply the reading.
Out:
8.33
